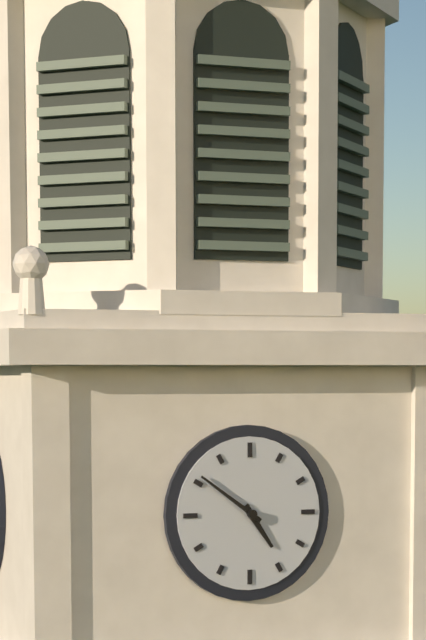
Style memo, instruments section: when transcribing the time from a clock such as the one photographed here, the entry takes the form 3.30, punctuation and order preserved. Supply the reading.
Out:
4.51
